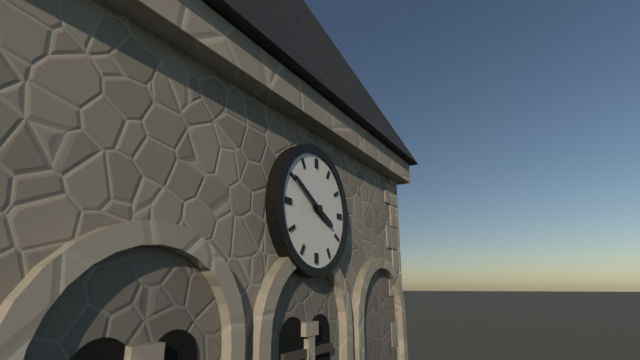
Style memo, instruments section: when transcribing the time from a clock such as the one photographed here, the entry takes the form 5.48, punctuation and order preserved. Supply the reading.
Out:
3.50
